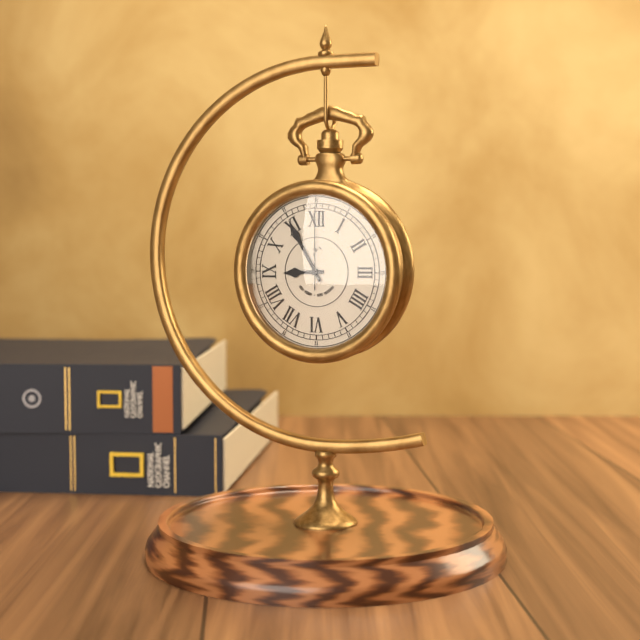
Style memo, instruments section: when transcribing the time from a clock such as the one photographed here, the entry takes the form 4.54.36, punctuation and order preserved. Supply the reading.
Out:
8.55.00
